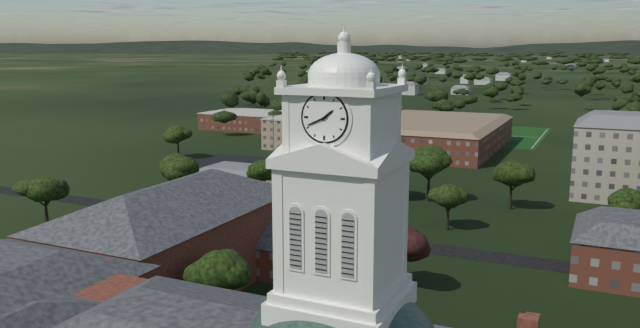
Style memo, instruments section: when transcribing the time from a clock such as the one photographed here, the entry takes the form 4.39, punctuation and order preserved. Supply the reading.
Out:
1.41
